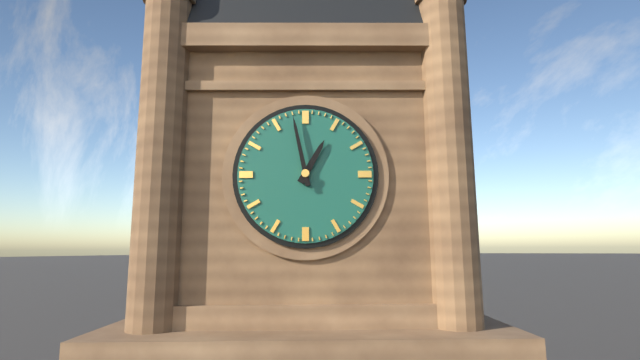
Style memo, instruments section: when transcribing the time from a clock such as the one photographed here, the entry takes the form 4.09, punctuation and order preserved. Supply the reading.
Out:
12.58
